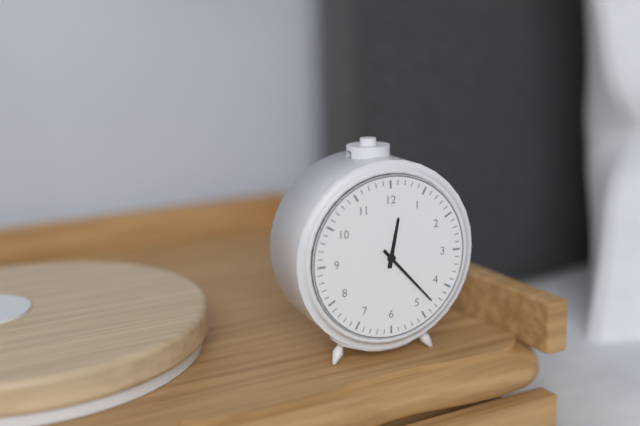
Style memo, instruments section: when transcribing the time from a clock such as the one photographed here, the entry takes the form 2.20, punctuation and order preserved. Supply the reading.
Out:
12.23
